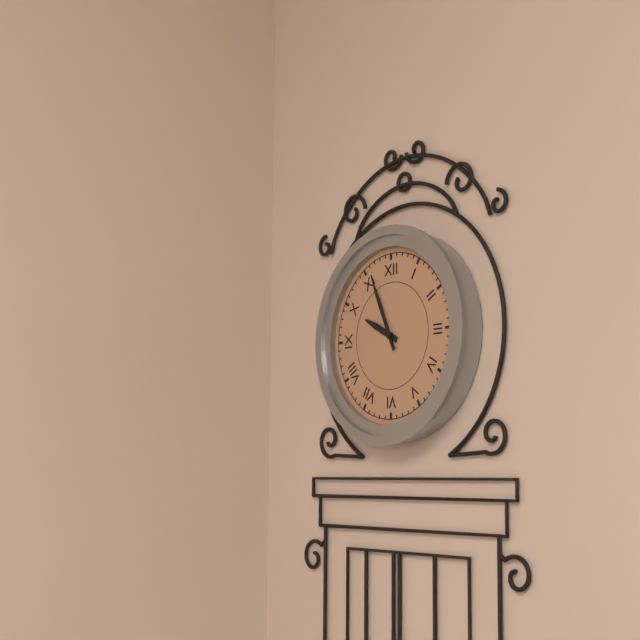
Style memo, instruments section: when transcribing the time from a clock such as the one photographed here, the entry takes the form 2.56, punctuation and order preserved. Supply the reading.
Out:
9.56
